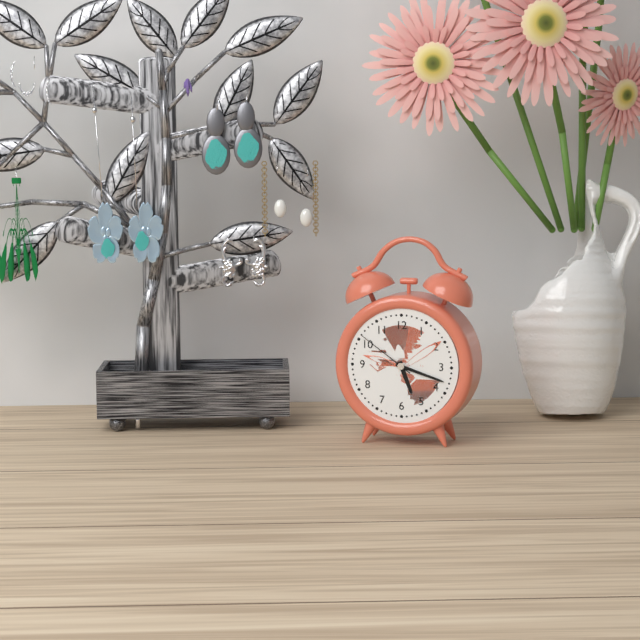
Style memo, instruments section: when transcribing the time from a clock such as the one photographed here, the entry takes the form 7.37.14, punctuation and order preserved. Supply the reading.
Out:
5.18.51
